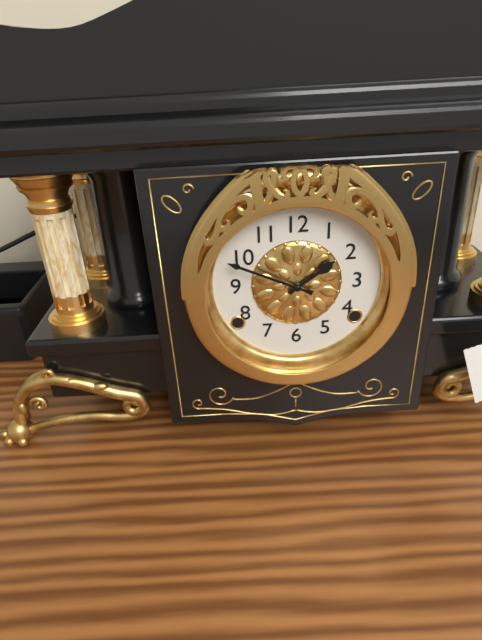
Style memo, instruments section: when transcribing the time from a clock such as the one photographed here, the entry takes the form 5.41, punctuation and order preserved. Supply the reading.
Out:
1.49
